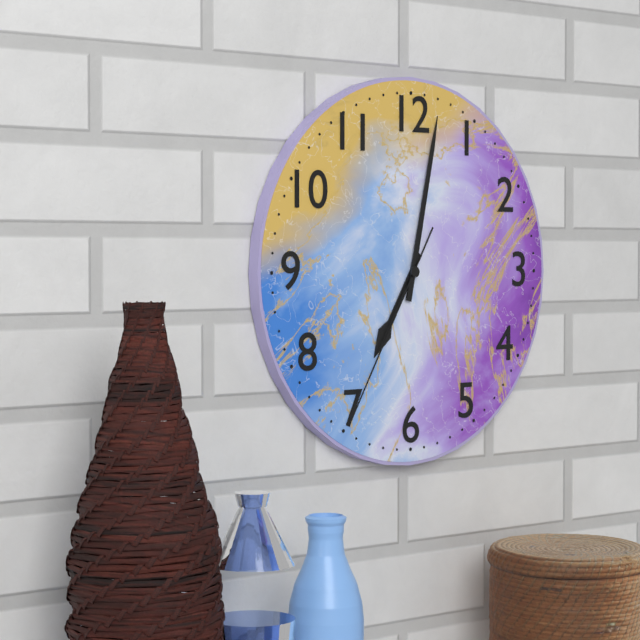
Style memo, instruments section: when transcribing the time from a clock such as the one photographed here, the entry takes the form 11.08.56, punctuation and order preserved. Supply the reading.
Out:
7.02.35
